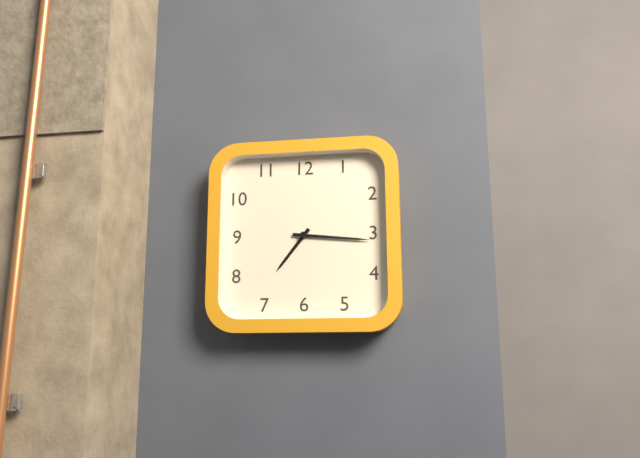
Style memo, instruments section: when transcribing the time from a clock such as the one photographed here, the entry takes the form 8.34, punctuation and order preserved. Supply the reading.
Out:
7.16
